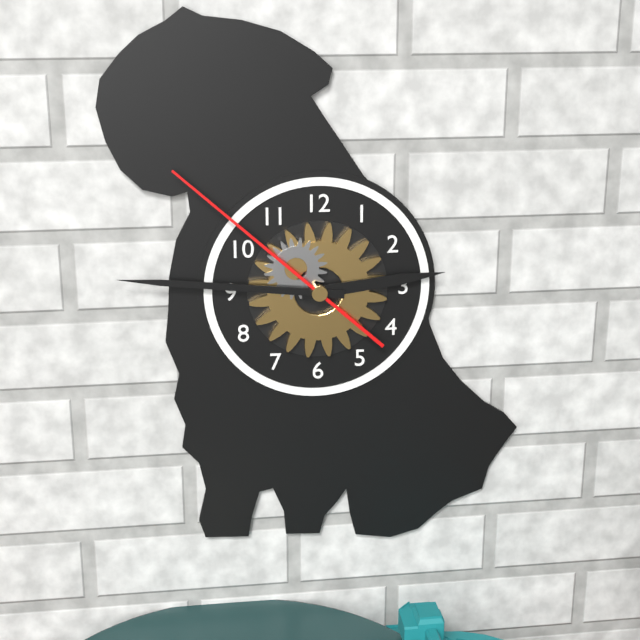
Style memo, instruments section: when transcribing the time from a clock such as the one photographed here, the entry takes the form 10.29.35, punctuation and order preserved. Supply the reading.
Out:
2.46.52
